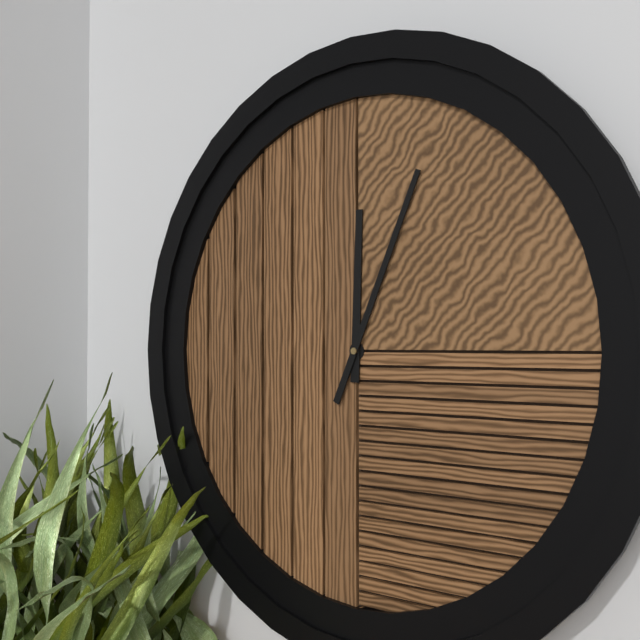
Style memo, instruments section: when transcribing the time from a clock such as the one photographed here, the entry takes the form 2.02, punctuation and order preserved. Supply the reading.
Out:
12.04
